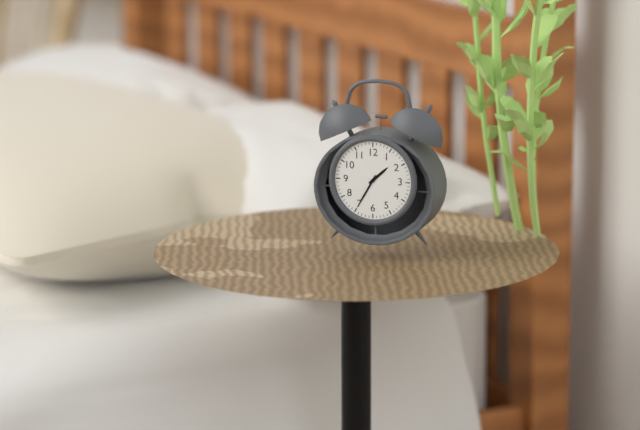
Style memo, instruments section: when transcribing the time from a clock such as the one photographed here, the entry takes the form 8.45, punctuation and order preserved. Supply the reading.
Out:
1.35
